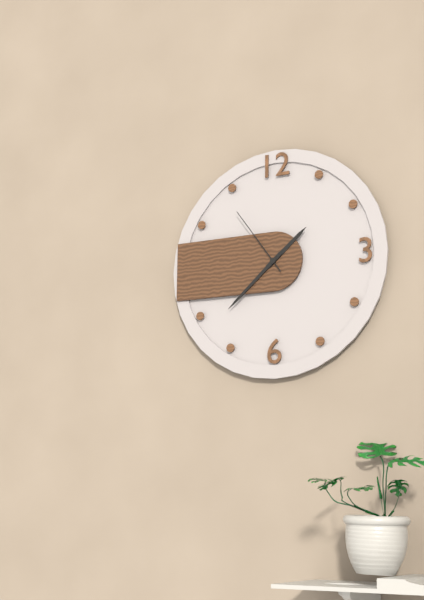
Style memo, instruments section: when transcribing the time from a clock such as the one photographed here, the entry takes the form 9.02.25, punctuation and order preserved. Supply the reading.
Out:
1.38.54
